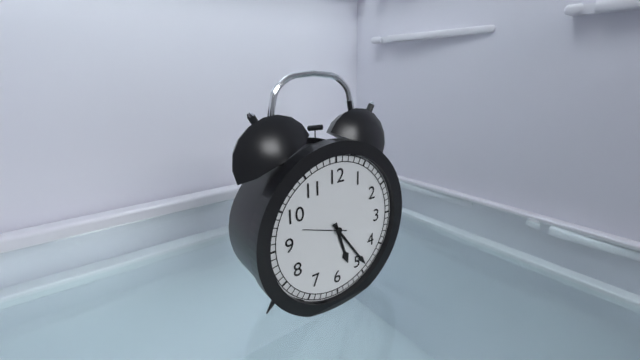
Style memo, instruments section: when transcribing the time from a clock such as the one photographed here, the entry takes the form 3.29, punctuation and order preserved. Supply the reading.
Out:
5.24
